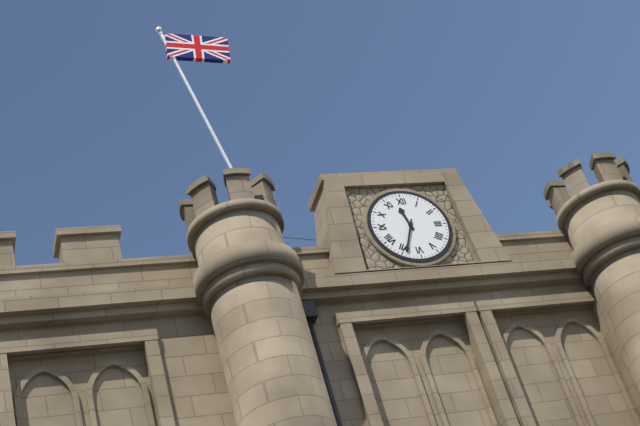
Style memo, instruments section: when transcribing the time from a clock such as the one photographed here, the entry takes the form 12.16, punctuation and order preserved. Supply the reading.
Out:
11.34
